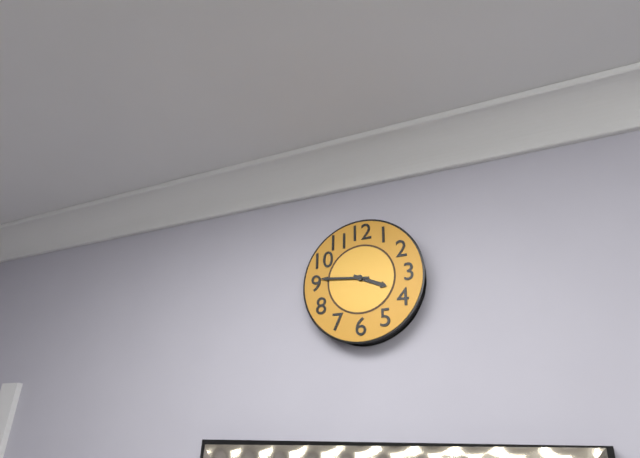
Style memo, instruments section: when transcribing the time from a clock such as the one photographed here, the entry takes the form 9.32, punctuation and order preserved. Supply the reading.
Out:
3.46
